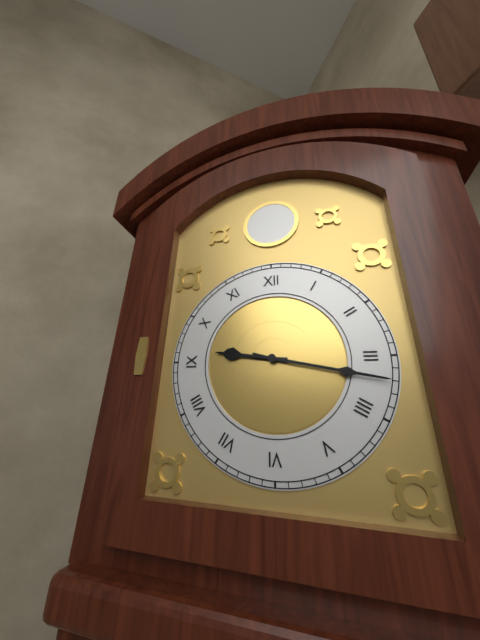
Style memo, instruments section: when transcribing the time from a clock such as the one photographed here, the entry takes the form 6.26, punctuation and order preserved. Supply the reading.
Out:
9.17
